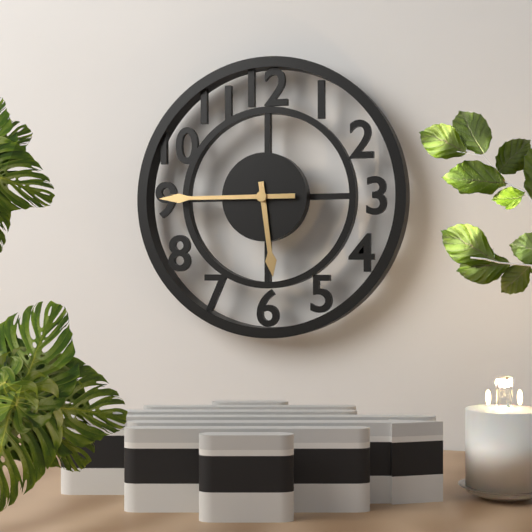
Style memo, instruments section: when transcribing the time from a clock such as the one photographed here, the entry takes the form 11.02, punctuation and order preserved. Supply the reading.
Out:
5.45
